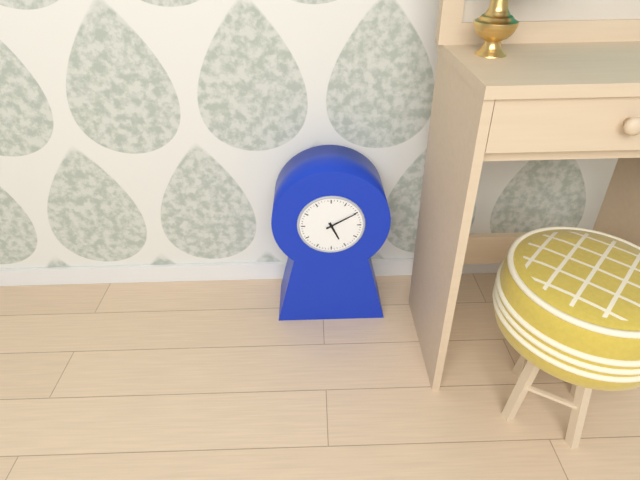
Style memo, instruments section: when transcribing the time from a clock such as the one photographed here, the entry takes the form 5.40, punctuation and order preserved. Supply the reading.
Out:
5.10
